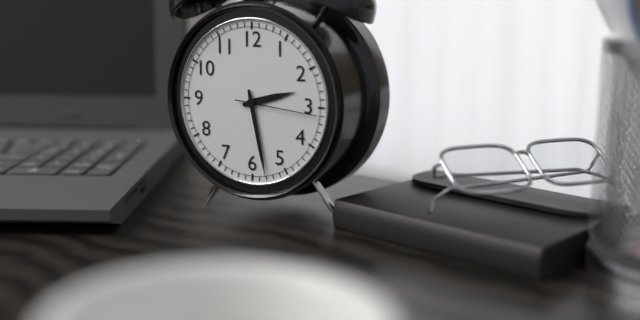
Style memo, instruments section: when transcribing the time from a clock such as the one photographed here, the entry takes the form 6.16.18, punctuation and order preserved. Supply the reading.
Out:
2.28.16
